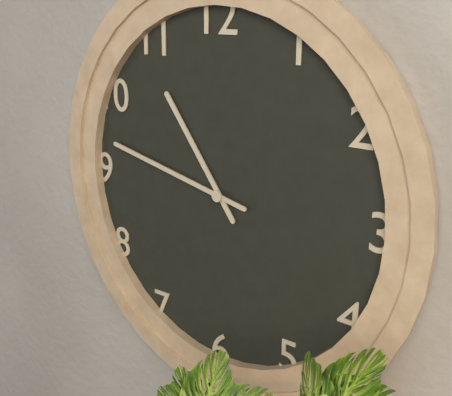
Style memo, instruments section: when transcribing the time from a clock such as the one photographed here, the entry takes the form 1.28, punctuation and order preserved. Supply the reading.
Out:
10.47
